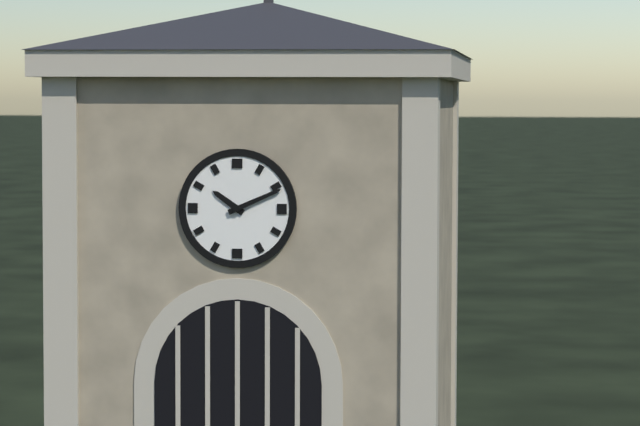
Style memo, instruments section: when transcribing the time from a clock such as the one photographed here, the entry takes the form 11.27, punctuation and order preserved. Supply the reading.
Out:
10.11
